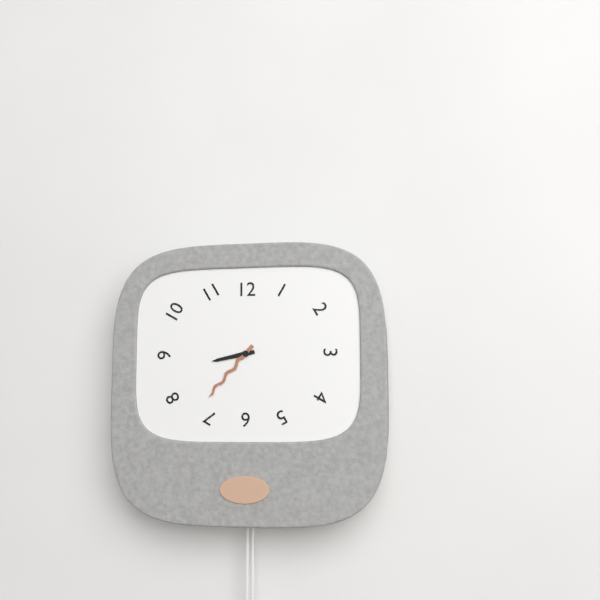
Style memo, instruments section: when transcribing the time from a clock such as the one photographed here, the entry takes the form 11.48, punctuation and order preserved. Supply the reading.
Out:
8.37
